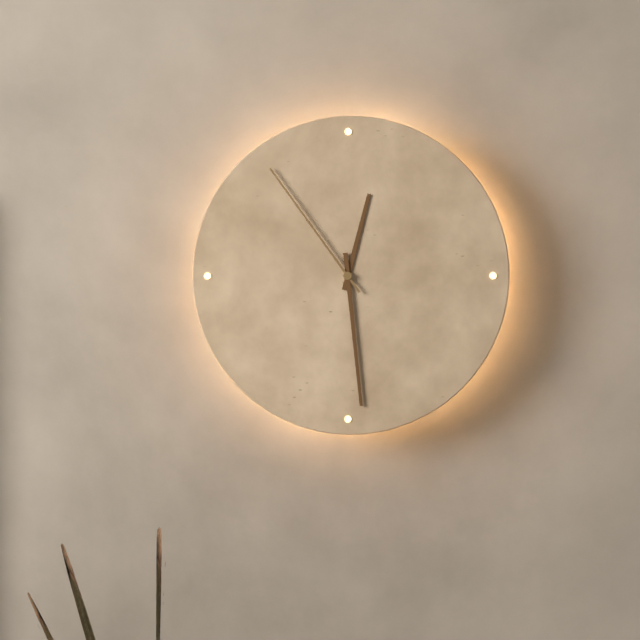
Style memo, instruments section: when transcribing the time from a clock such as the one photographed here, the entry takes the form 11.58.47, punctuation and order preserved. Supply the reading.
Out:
12.29.54
